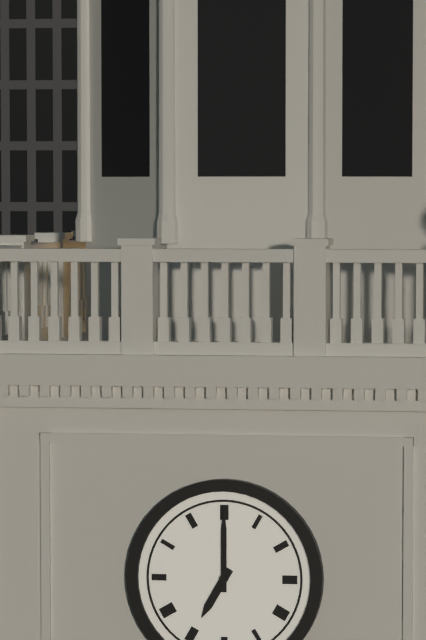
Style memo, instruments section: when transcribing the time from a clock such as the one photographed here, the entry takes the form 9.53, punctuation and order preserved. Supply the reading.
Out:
7.00
